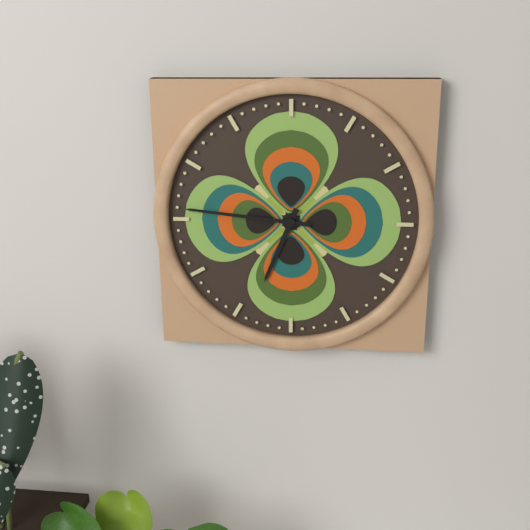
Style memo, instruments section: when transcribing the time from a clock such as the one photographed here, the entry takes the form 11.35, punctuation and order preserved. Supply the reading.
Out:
6.46
